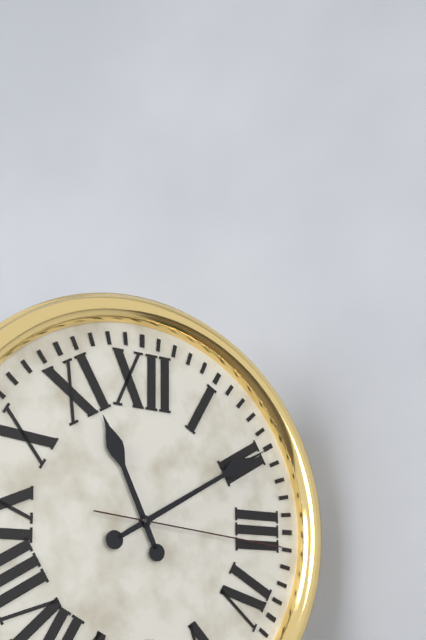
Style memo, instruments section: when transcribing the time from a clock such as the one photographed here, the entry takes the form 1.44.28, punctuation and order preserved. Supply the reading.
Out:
11.10.16
